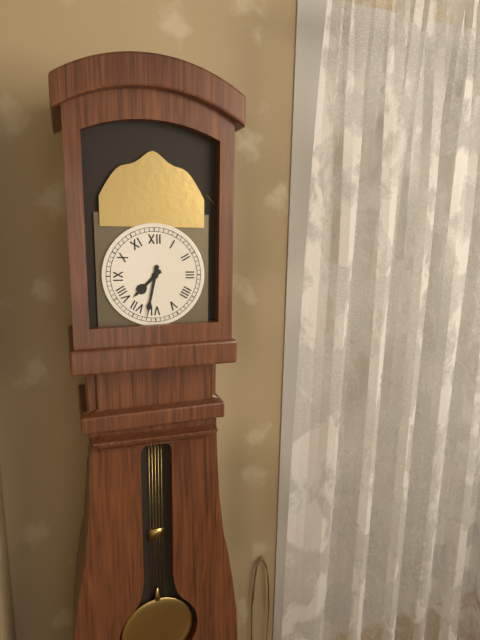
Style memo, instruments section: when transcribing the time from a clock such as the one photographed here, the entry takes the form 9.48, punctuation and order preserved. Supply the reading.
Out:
7.32
